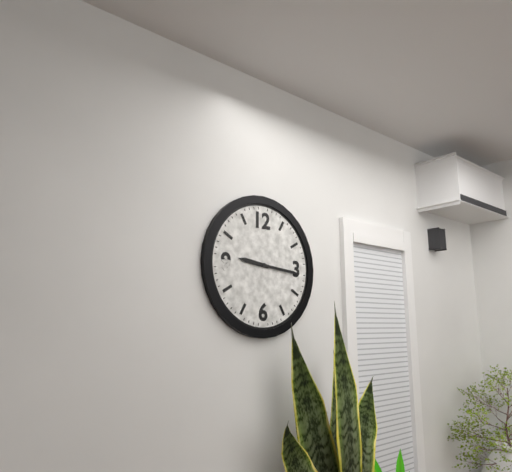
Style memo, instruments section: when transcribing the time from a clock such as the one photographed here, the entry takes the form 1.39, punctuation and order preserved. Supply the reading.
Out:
9.16
